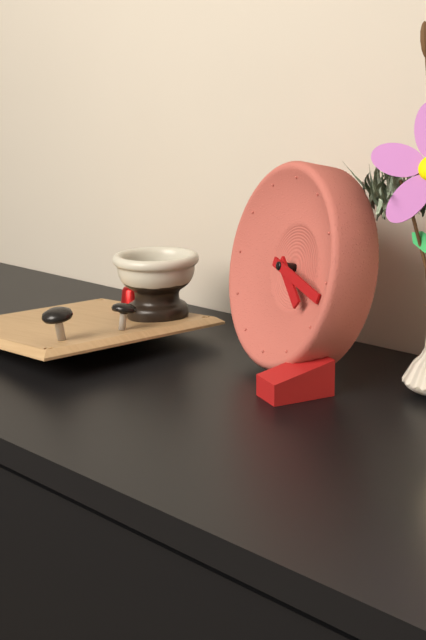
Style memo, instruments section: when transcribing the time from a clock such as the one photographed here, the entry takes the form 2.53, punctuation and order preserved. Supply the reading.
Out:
4.17
